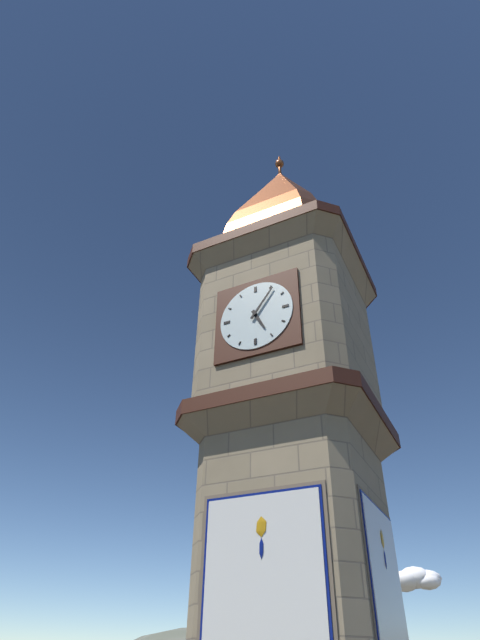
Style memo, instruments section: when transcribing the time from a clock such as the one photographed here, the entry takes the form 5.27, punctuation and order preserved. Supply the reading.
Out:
5.06
